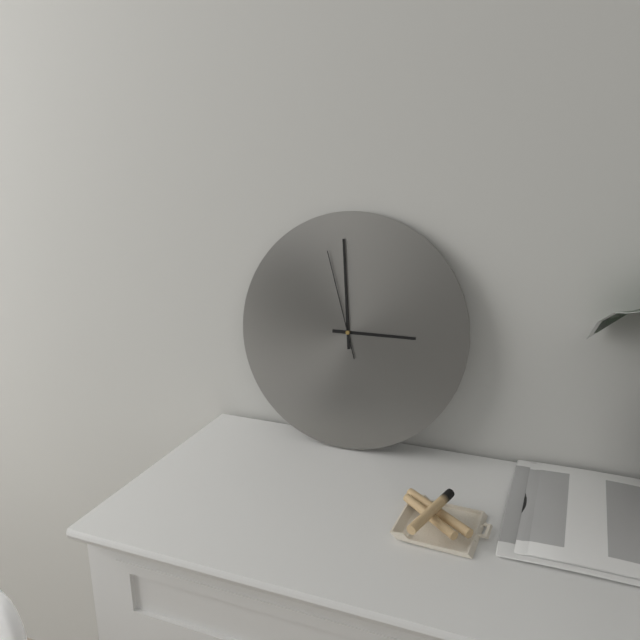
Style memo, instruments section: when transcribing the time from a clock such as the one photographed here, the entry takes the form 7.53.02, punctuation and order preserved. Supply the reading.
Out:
2.59.57
